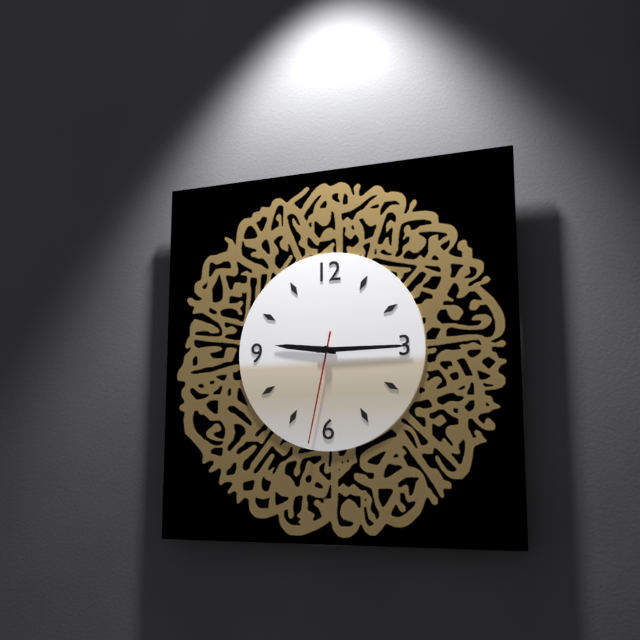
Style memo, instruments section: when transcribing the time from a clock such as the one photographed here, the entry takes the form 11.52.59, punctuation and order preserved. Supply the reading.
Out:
9.15.32
